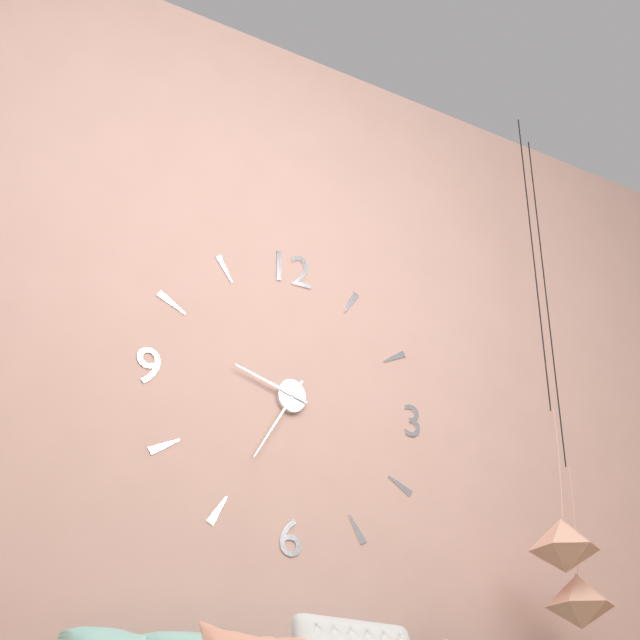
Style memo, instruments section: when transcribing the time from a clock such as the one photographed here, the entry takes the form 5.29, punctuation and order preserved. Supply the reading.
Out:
9.35
